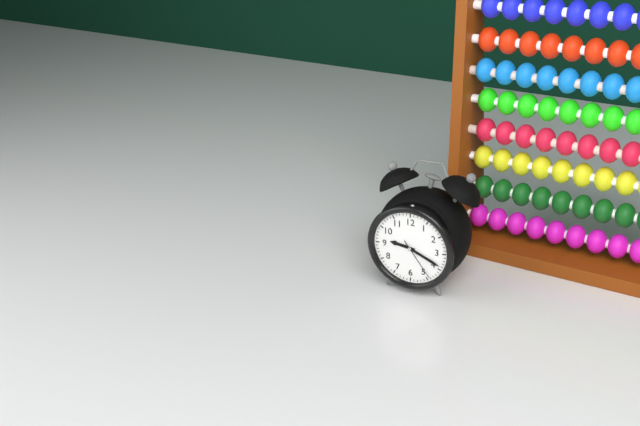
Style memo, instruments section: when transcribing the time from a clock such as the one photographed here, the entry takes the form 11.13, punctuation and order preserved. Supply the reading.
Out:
9.19
